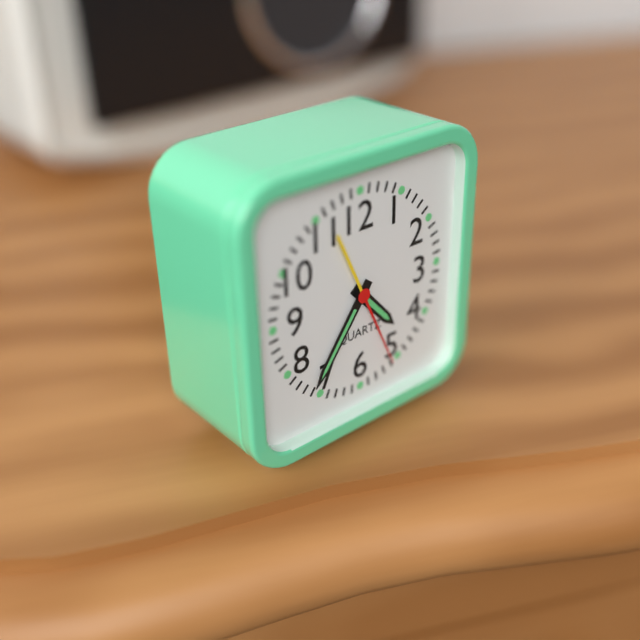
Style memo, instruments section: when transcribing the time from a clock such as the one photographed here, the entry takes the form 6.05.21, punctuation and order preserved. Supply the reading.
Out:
4.36.26
